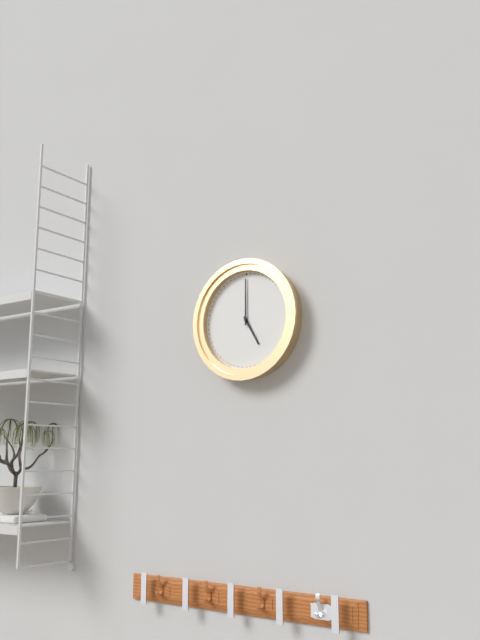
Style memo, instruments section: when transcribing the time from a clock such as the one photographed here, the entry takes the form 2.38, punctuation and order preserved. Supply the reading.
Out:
5.00
